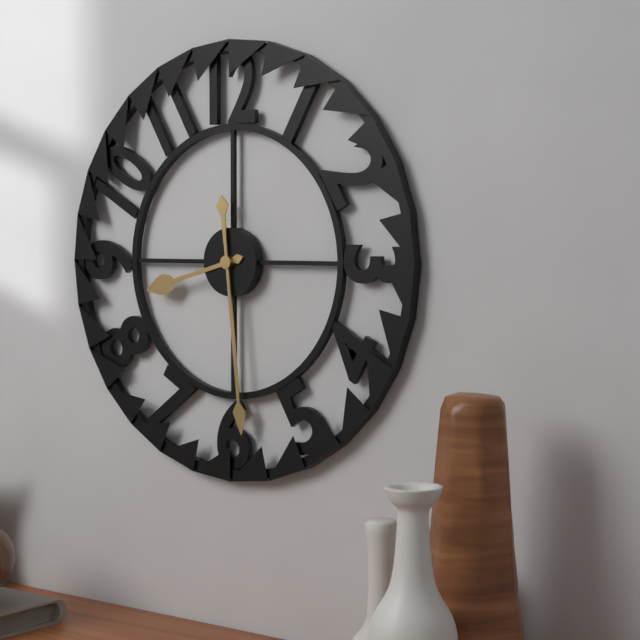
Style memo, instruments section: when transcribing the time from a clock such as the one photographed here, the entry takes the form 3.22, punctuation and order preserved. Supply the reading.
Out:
8.29
